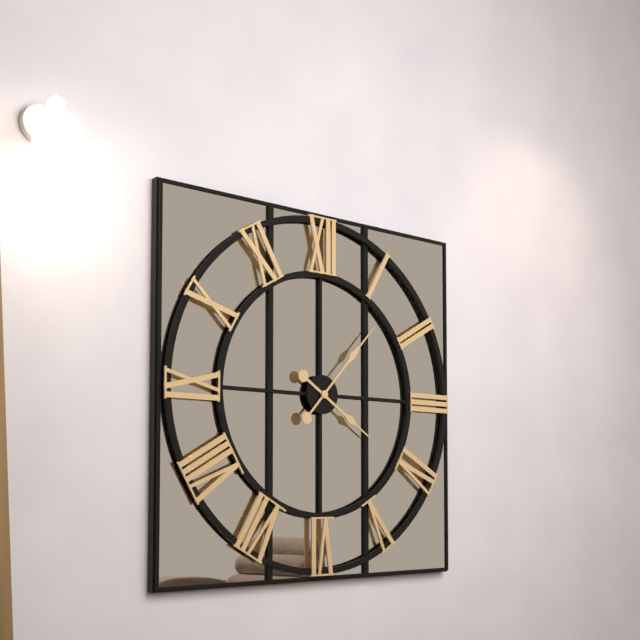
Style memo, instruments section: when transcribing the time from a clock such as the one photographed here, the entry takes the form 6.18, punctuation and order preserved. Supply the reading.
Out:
4.07
